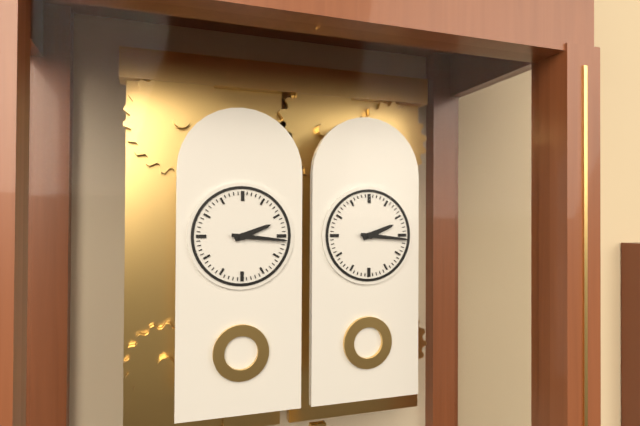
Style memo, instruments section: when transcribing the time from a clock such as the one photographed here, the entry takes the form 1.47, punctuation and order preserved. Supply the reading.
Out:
2.16
